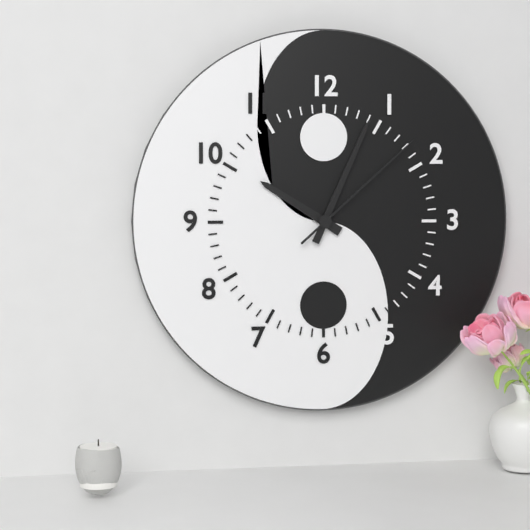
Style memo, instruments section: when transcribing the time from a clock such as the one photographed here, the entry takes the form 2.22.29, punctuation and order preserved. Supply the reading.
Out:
10.04.08
